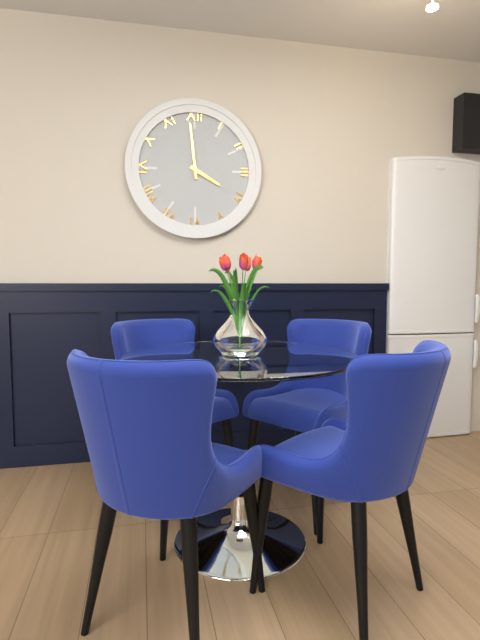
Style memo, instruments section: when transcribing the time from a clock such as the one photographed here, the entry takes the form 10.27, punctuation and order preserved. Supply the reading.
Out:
3.59
